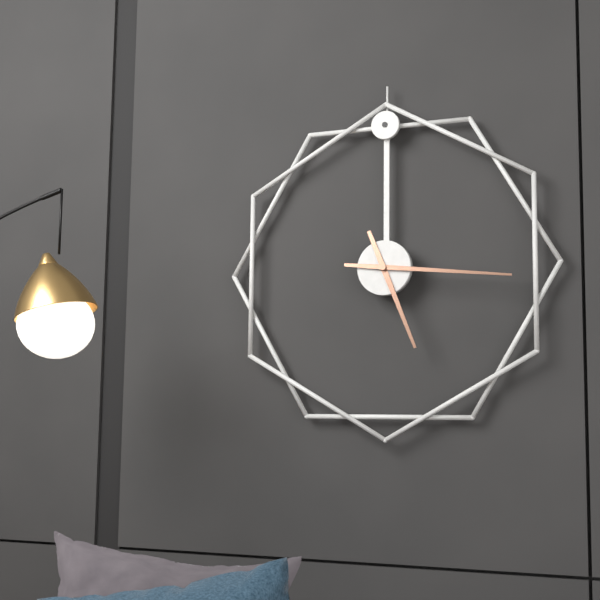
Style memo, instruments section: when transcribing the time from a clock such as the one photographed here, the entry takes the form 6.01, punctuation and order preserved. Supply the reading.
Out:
5.16
